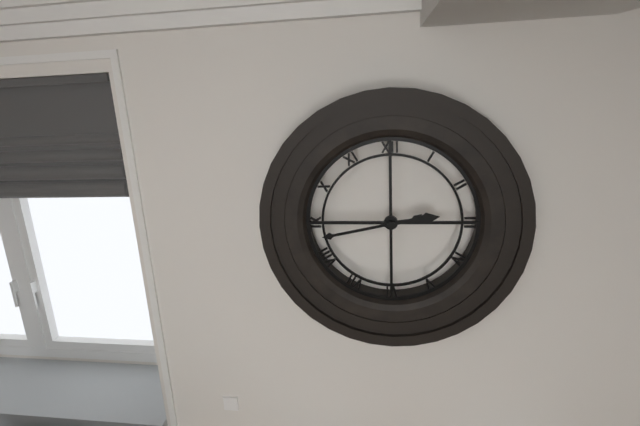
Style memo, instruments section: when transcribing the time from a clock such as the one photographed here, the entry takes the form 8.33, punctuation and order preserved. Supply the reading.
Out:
2.43
